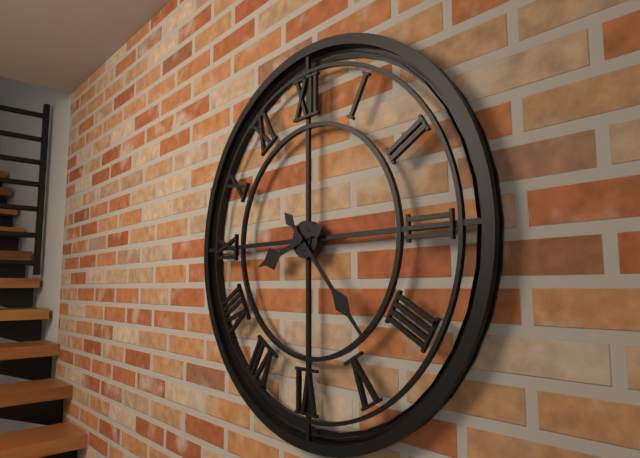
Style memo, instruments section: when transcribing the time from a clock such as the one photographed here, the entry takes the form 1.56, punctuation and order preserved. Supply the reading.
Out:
8.23
